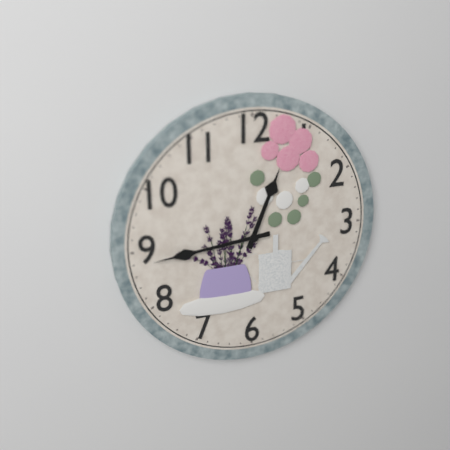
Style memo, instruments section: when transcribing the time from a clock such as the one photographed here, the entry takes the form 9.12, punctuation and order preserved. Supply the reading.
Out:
12.44
